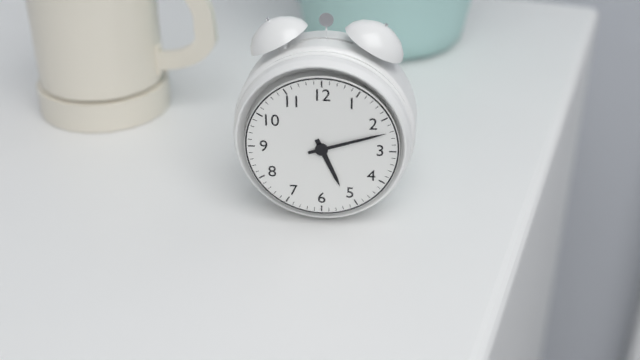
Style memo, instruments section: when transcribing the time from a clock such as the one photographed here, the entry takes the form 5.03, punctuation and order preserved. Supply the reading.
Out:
5.12
